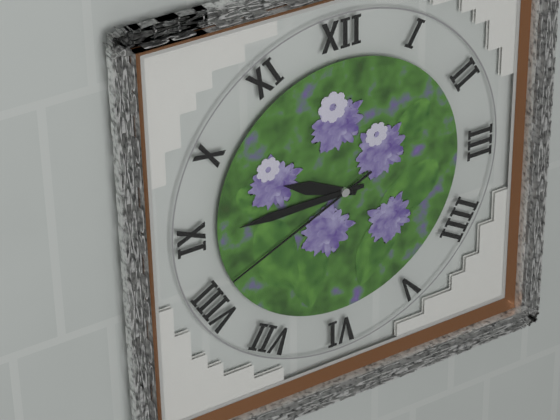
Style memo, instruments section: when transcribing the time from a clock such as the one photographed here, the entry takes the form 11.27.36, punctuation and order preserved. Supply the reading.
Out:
9.45.41
